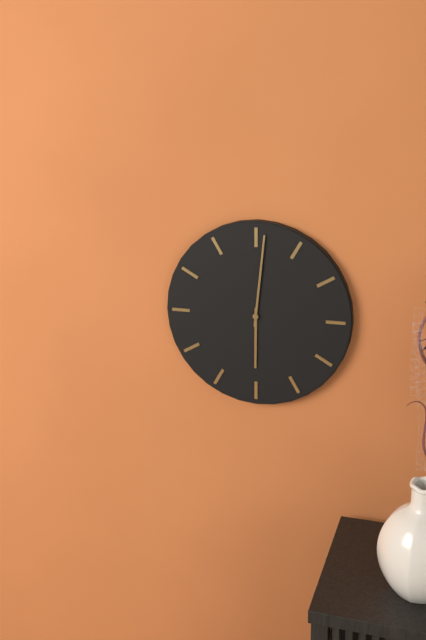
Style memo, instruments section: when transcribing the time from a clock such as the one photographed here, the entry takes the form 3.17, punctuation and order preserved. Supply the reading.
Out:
6.01
